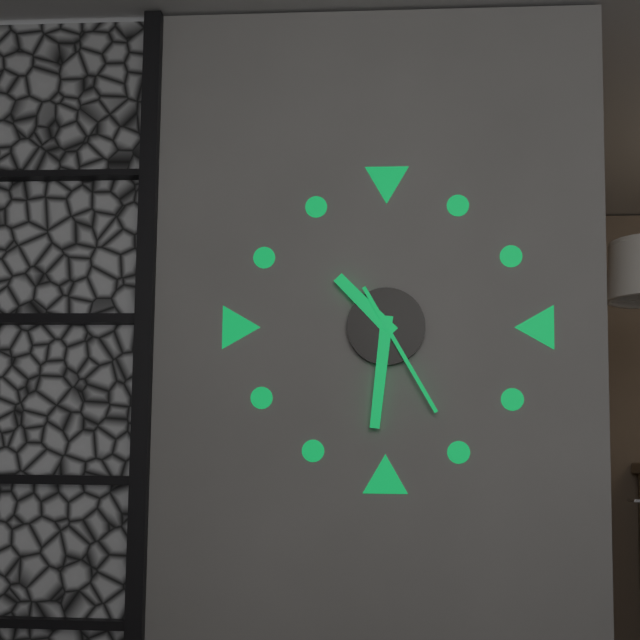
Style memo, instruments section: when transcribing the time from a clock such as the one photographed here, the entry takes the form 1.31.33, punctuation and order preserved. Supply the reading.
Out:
10.31.25
